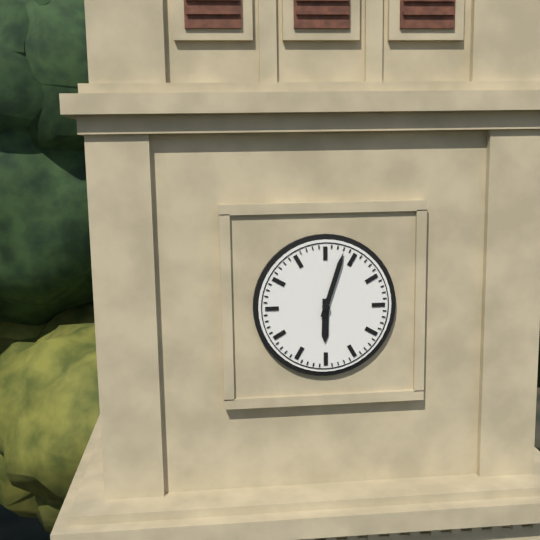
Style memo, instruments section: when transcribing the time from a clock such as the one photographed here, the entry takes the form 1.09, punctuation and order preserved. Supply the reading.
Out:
6.03
